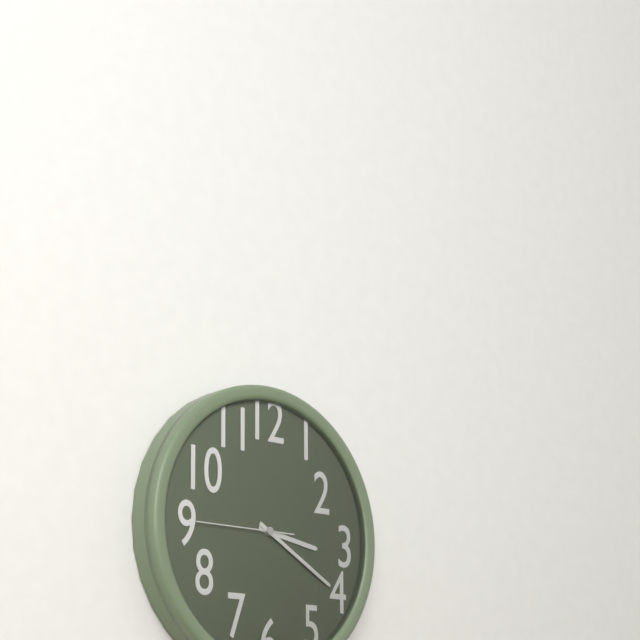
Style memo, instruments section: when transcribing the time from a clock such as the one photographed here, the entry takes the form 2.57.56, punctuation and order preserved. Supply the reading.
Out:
3.20.45
